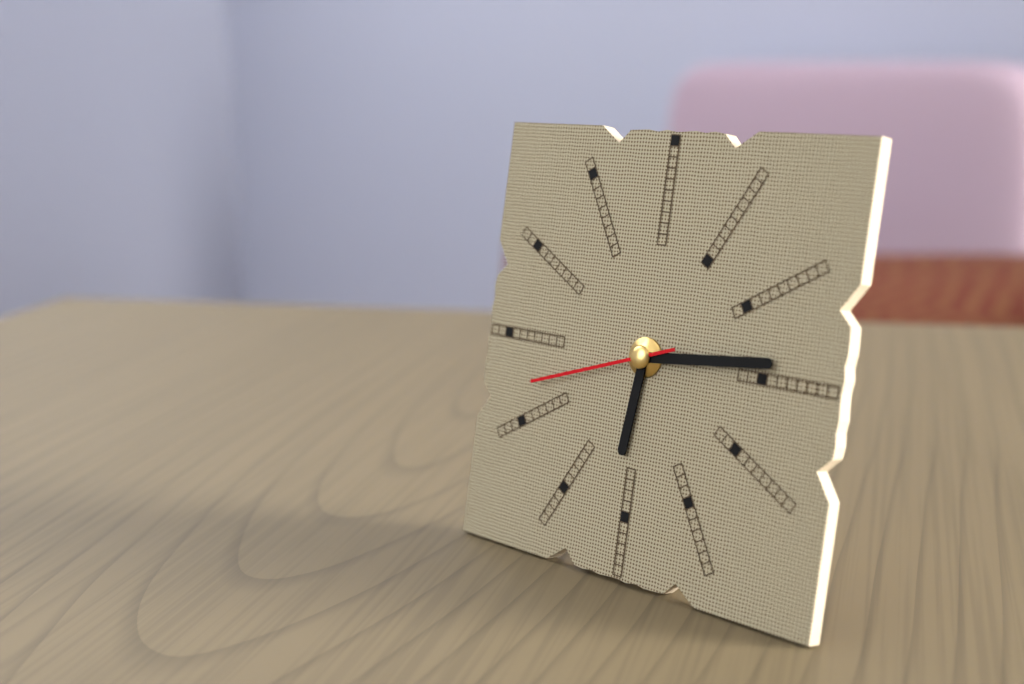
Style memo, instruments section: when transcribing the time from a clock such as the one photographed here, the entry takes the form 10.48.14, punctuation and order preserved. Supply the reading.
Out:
6.14.42
